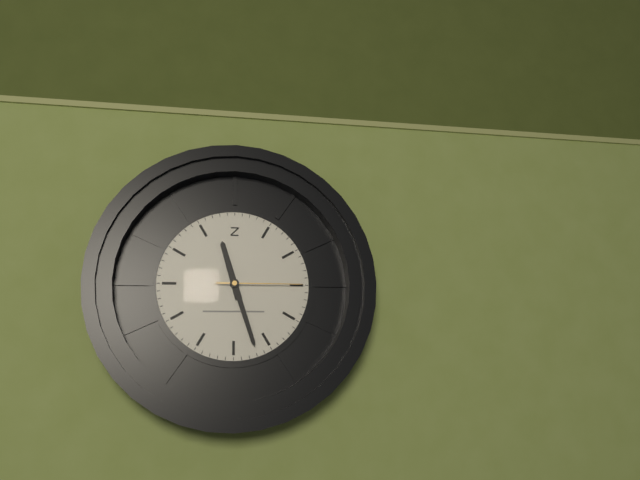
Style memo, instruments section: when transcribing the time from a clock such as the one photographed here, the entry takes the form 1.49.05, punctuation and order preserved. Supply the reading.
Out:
11.27.15
